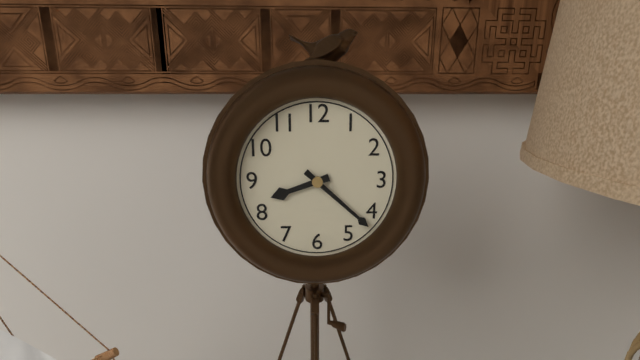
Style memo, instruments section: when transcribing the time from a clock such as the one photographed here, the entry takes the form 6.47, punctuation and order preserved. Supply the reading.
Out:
8.22
